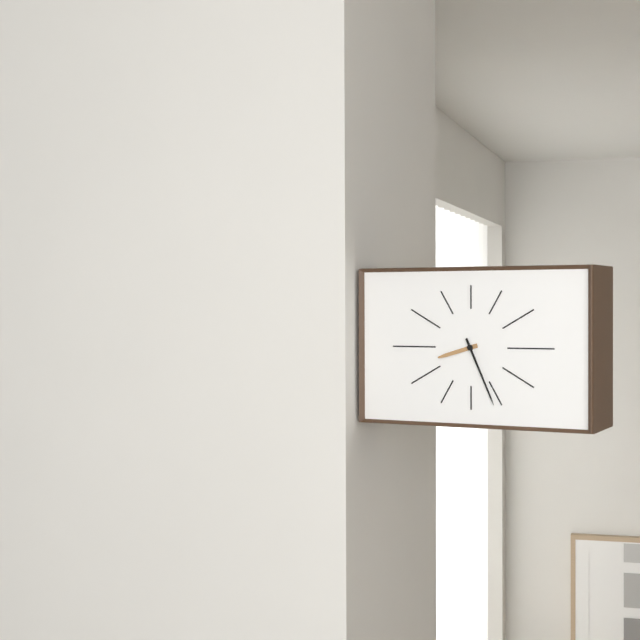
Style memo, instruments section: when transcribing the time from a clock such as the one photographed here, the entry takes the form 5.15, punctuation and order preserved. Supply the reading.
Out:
8.26
